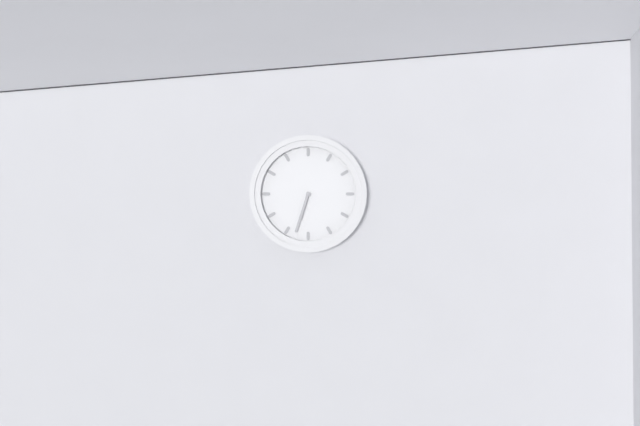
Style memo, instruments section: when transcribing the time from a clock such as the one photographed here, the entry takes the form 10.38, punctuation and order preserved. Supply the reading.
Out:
6.33
